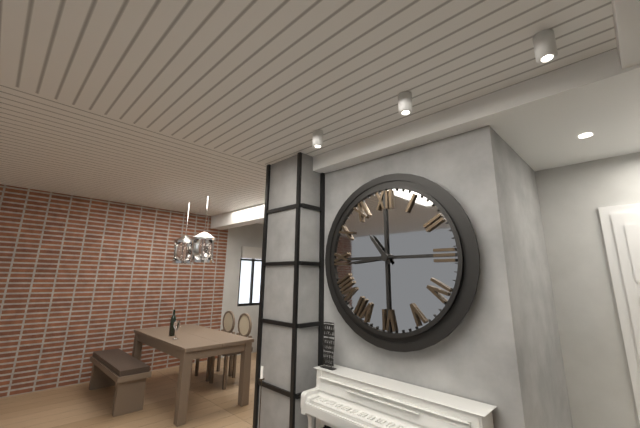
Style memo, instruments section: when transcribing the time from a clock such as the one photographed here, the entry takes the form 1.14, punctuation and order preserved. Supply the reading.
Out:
10.44
